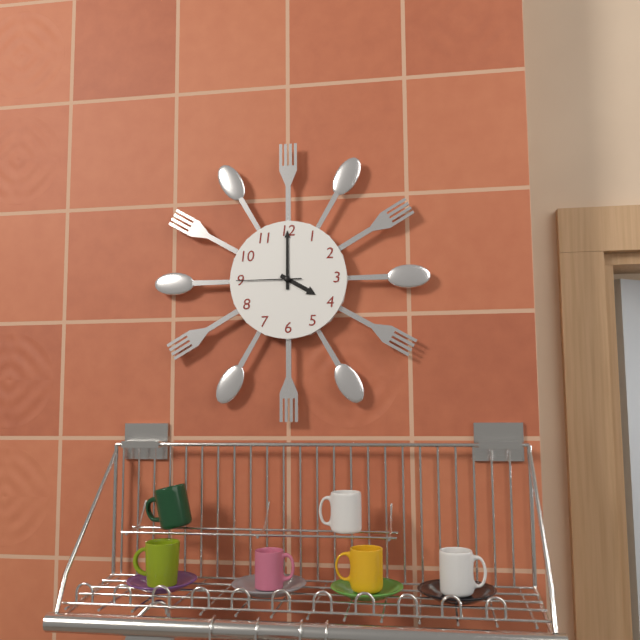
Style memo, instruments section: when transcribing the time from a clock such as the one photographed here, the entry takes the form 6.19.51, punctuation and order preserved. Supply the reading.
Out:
4.00.45
